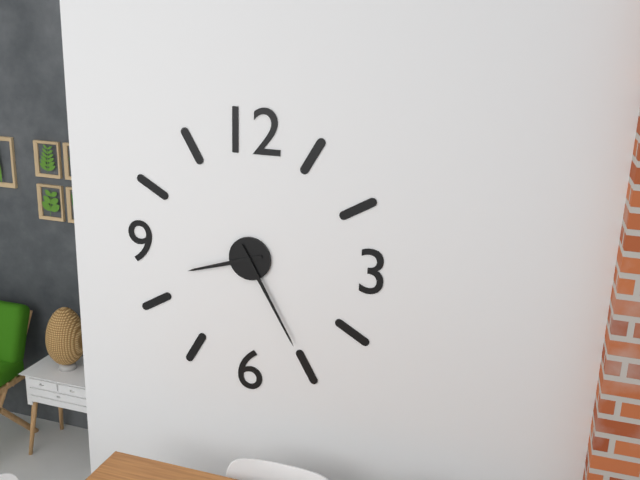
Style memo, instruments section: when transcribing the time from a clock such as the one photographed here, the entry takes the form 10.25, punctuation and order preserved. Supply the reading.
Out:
8.25
